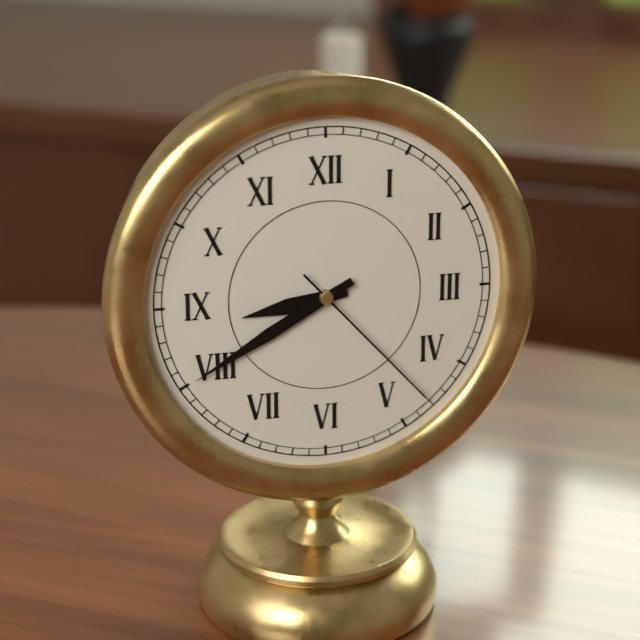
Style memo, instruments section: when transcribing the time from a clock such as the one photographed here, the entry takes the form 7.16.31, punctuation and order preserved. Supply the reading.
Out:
8.40.23
